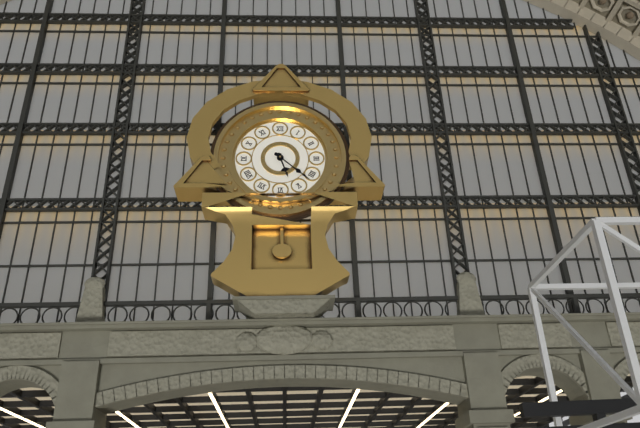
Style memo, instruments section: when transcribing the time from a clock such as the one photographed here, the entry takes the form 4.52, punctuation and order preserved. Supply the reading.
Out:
5.22
